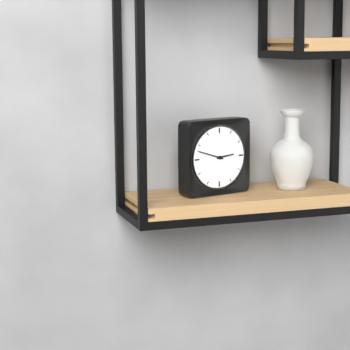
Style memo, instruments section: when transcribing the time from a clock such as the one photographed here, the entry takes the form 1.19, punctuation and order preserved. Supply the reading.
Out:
2.48
